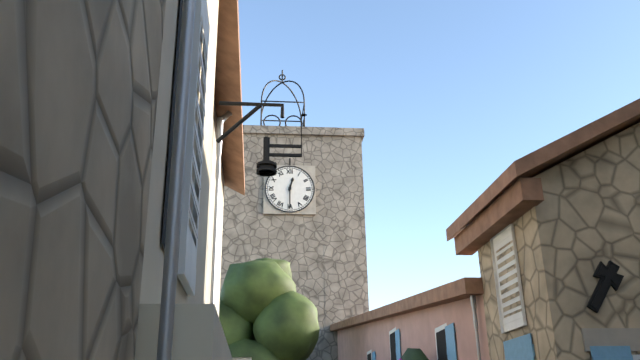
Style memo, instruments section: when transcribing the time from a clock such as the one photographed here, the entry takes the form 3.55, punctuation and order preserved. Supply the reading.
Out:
12.30
